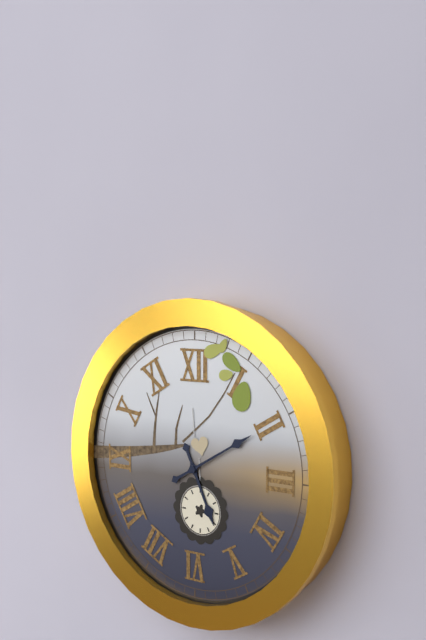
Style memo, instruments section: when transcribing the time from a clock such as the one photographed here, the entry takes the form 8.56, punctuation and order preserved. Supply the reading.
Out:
5.10
